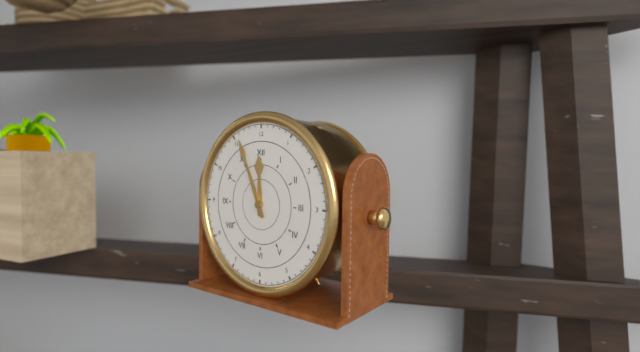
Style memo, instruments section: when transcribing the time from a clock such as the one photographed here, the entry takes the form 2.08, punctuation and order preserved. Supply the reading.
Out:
11.56
